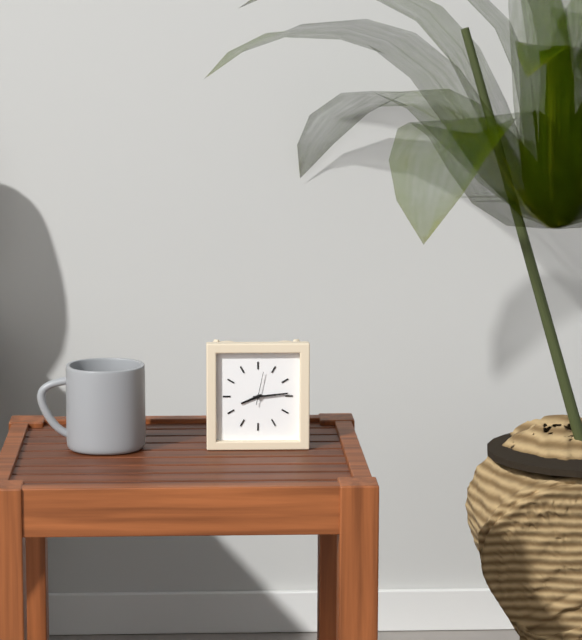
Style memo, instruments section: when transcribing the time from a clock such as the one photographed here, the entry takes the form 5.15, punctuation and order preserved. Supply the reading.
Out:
8.14
